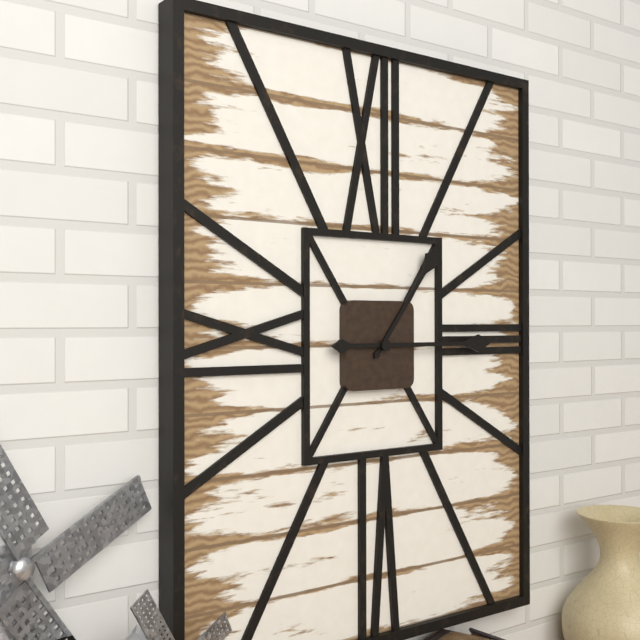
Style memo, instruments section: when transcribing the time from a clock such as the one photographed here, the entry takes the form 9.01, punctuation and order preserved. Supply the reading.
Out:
1.15
